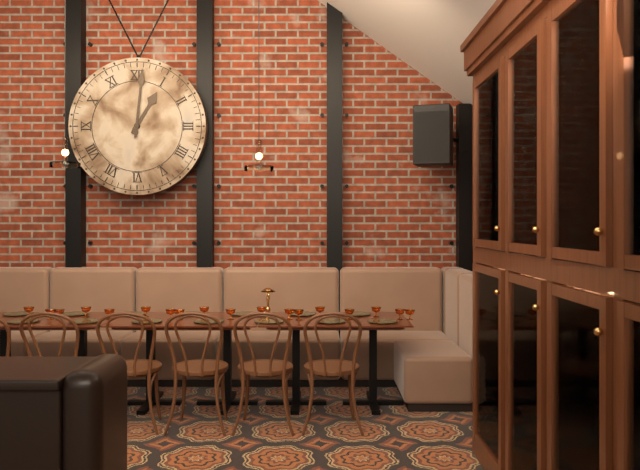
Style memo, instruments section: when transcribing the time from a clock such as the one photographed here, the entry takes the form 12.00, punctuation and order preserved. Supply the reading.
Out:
1.01
